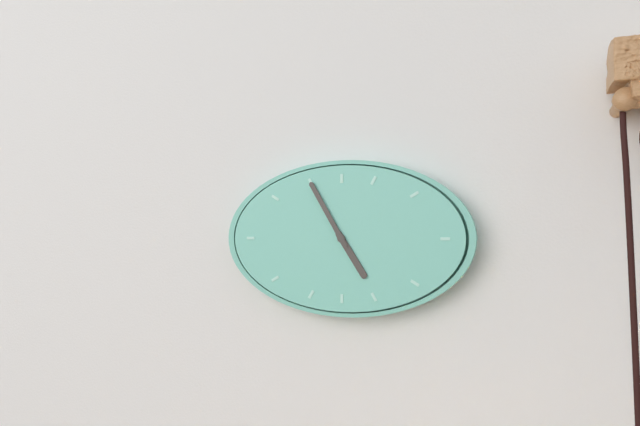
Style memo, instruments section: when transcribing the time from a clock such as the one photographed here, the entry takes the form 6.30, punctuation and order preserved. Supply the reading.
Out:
4.55
